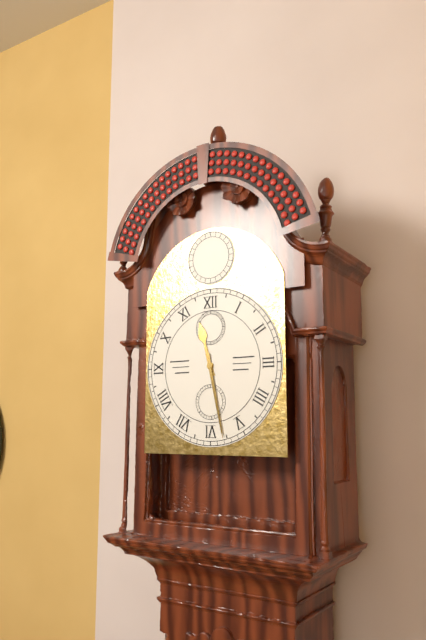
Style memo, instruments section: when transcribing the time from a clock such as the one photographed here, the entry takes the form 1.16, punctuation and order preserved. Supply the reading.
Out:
11.28
